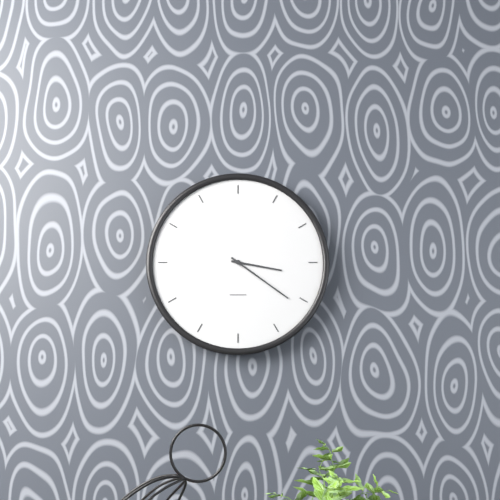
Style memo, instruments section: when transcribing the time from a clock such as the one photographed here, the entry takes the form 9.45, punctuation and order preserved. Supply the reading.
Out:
3.21
